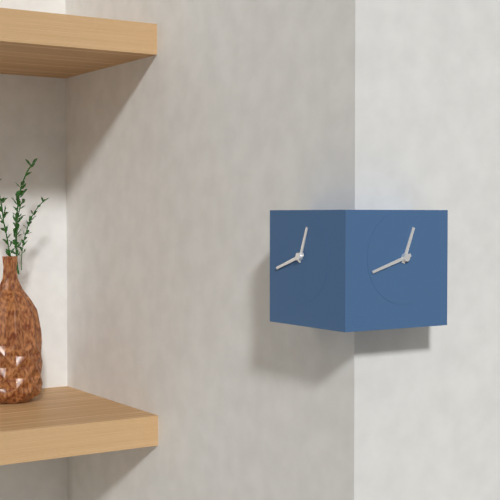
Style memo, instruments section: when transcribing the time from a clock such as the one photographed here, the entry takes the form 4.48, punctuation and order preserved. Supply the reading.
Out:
12.42
